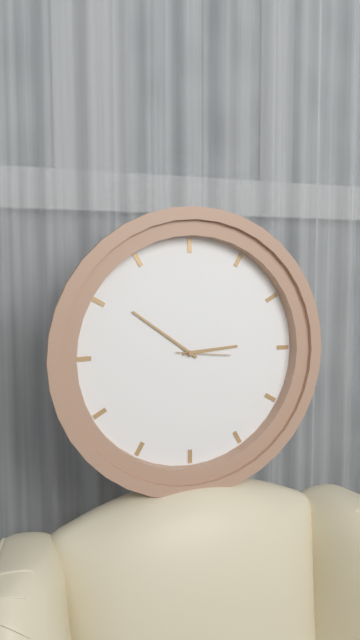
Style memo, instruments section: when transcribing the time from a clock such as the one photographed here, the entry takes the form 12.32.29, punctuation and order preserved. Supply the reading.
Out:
2.51.16
